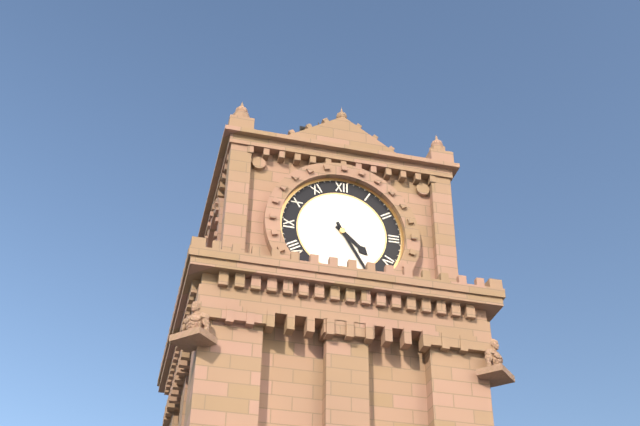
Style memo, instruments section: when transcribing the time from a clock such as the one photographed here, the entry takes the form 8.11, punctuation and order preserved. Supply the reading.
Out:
4.25
